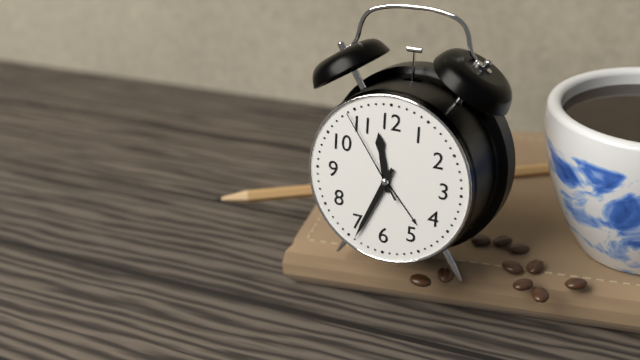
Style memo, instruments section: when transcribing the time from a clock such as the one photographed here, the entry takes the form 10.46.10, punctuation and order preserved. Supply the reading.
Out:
11.34.54
